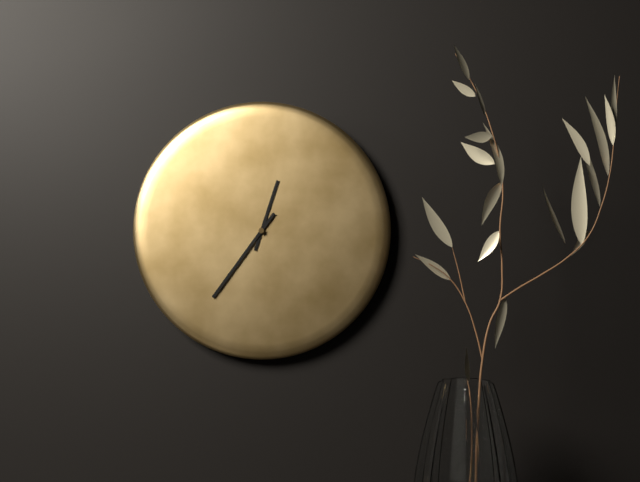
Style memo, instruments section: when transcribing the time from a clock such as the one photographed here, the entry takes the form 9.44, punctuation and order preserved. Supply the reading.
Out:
12.36
